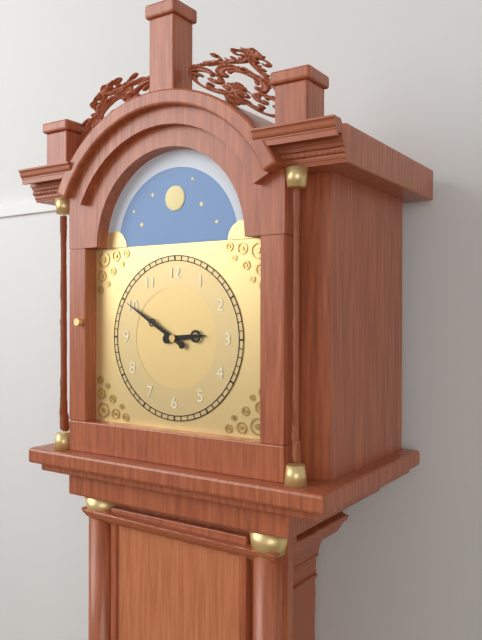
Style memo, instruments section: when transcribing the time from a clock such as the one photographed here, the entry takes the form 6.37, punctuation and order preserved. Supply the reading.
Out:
2.50
